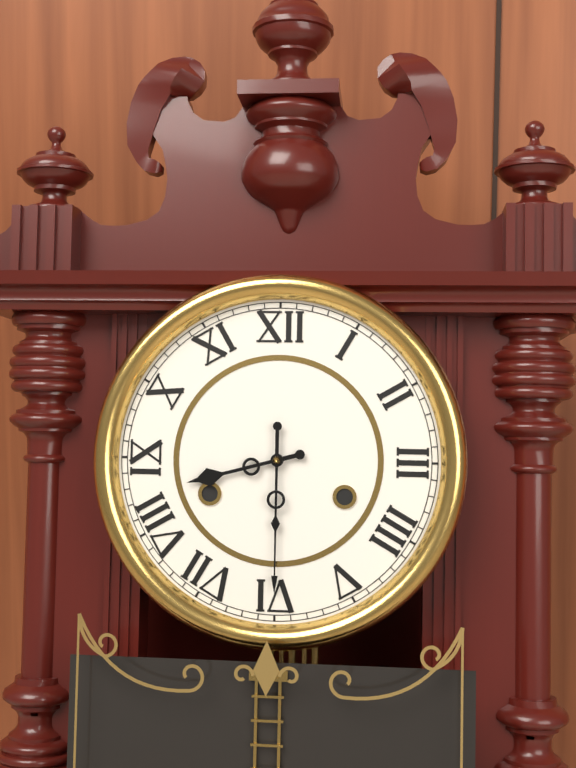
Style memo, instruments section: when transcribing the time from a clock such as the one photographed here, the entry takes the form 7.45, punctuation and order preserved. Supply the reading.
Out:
8.30
